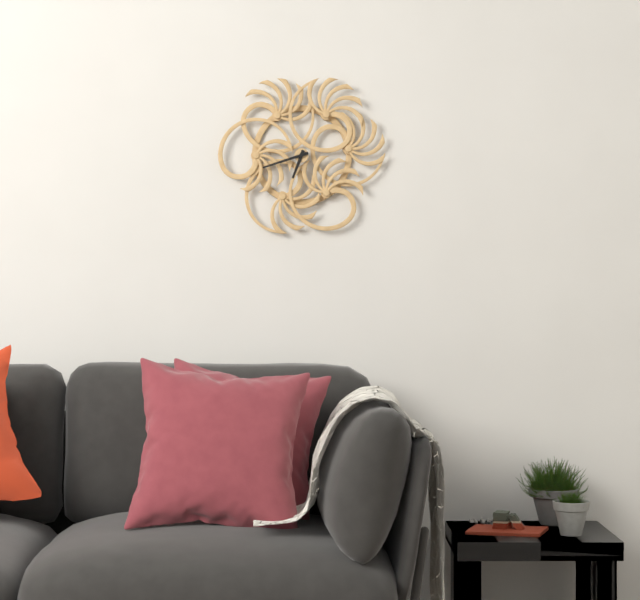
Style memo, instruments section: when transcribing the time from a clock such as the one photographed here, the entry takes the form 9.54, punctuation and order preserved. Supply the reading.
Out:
6.42
